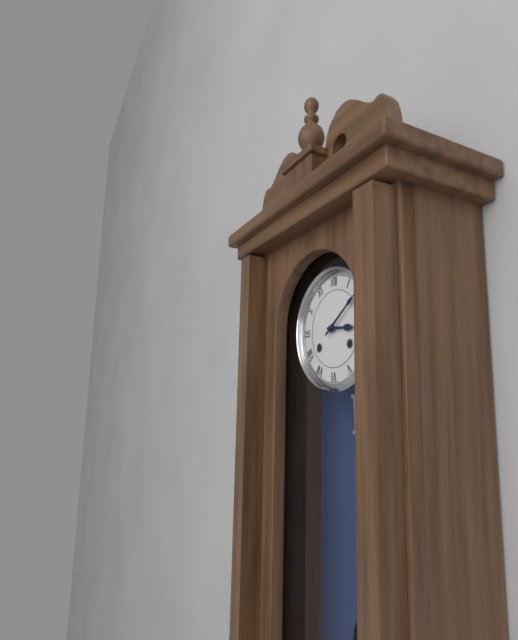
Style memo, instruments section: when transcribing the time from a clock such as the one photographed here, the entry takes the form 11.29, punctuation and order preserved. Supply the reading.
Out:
3.09
